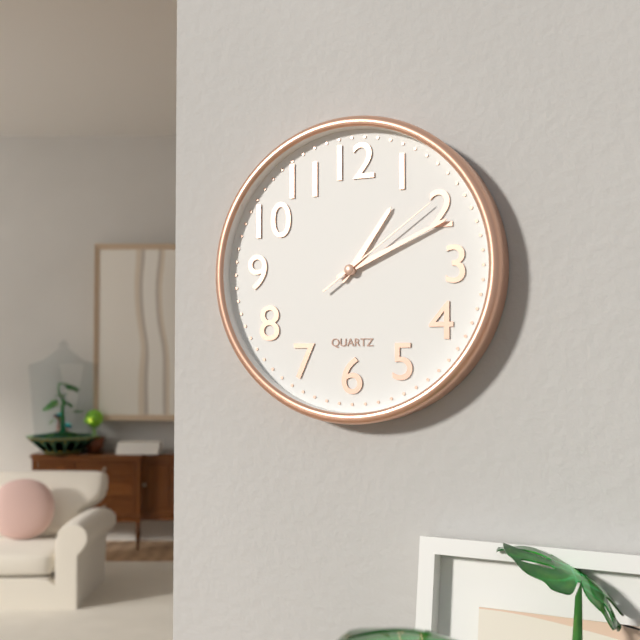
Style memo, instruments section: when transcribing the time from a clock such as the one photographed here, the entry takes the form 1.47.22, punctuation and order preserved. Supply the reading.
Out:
1.11.09
